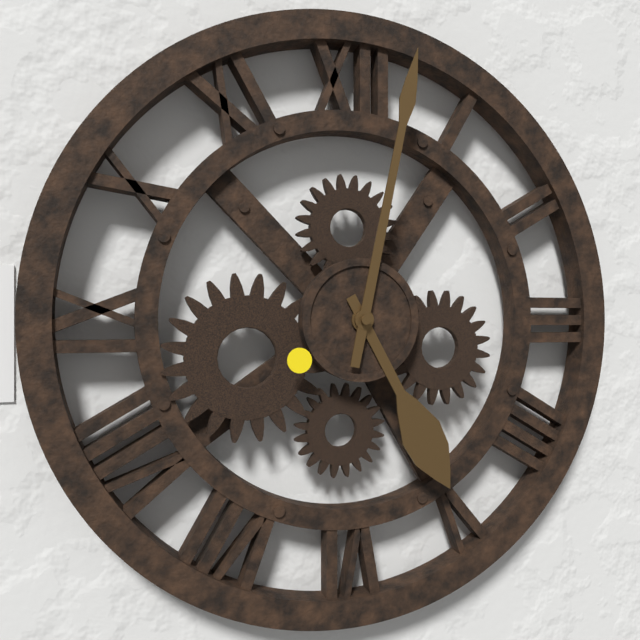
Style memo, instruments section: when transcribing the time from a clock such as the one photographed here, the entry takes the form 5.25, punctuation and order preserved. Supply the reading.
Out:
5.02
